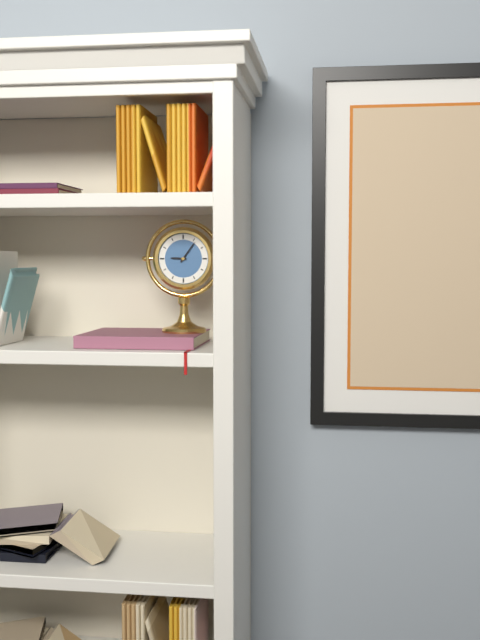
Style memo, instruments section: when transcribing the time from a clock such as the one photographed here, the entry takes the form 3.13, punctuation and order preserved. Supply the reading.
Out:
9.06
